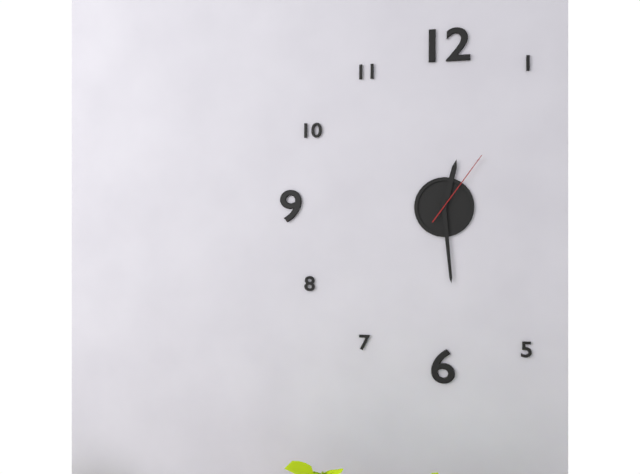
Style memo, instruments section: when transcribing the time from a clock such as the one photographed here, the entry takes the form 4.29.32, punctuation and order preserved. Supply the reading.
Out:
12.29.06
